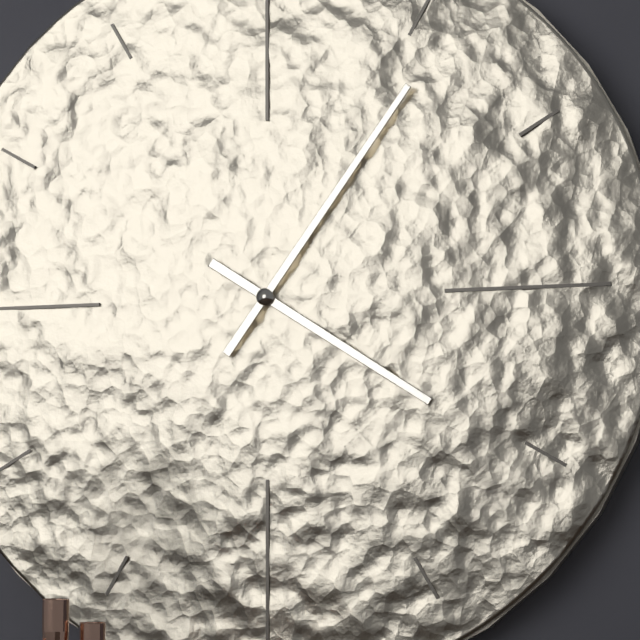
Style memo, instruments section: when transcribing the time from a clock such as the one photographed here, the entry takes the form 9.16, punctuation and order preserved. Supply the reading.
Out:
4.06
